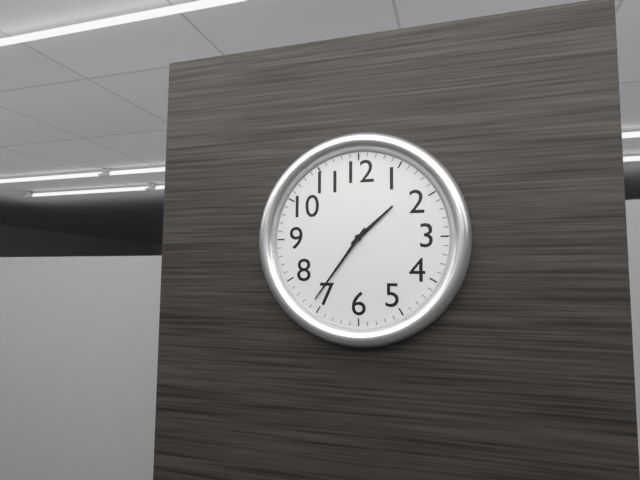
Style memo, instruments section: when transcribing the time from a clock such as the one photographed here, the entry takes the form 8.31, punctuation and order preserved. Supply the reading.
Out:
1.36
